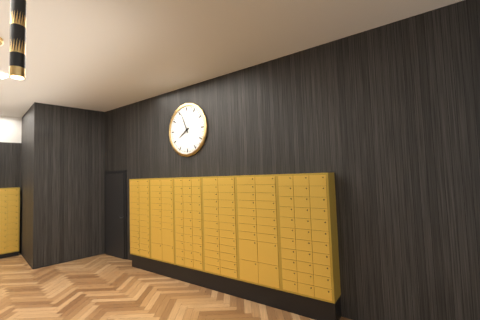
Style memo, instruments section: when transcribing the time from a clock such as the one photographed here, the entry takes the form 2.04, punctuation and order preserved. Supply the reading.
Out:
7.56
